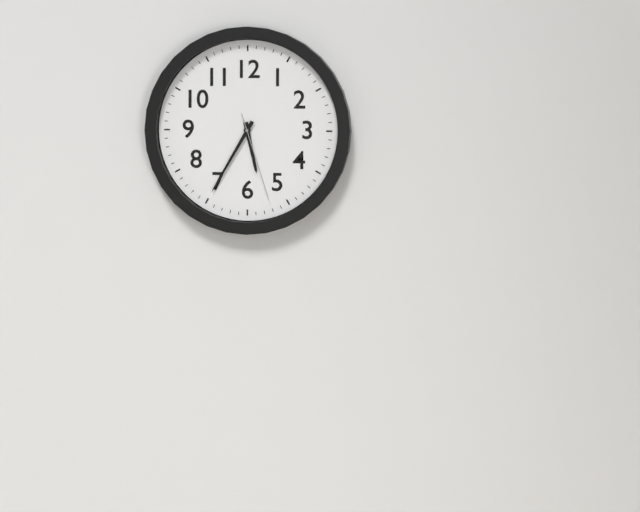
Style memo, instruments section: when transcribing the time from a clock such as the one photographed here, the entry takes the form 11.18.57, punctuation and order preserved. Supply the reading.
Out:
5.35.27
